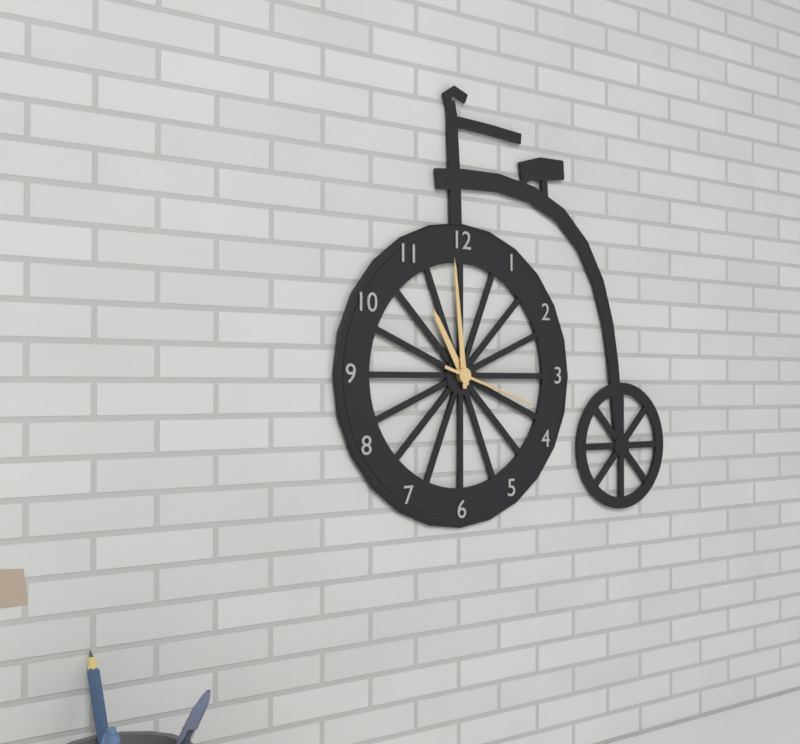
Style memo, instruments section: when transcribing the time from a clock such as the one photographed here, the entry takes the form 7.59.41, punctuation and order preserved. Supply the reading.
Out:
10.59.18
